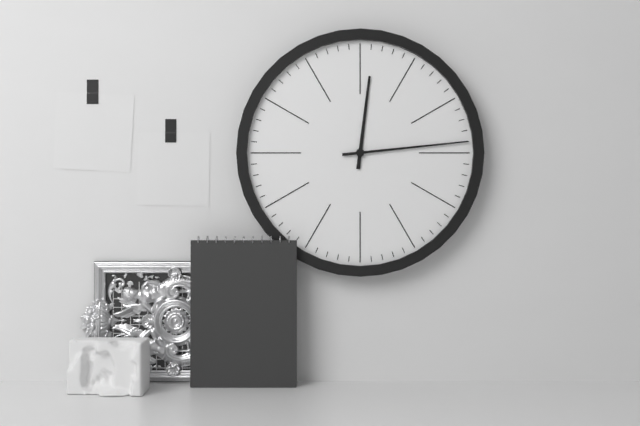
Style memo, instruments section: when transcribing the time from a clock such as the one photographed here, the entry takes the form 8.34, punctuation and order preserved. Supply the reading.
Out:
12.14
